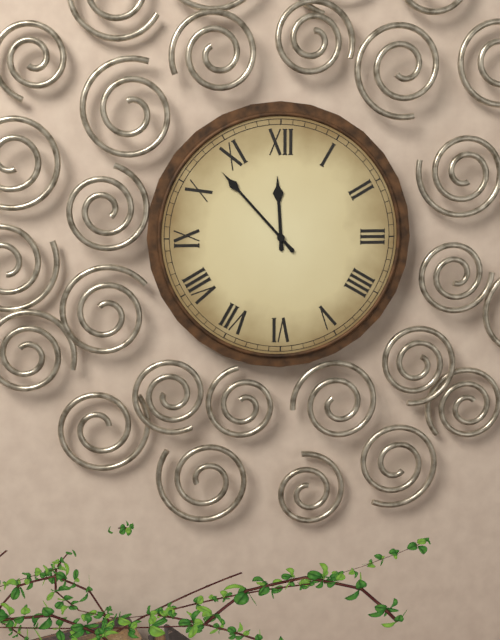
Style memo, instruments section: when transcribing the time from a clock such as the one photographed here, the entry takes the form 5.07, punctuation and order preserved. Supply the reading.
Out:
11.53
